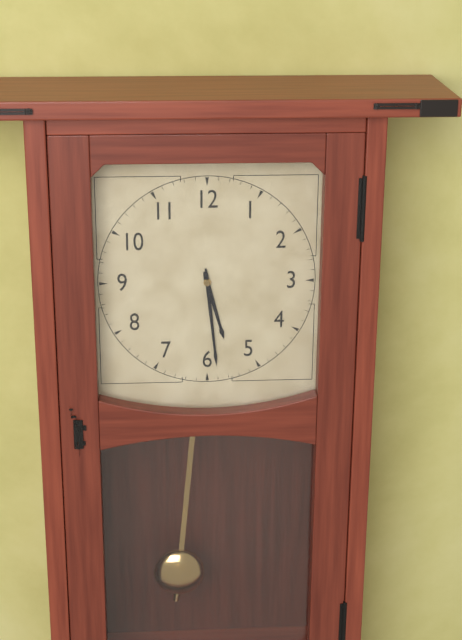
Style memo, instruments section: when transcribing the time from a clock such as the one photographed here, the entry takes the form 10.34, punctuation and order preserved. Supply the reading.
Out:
5.29
